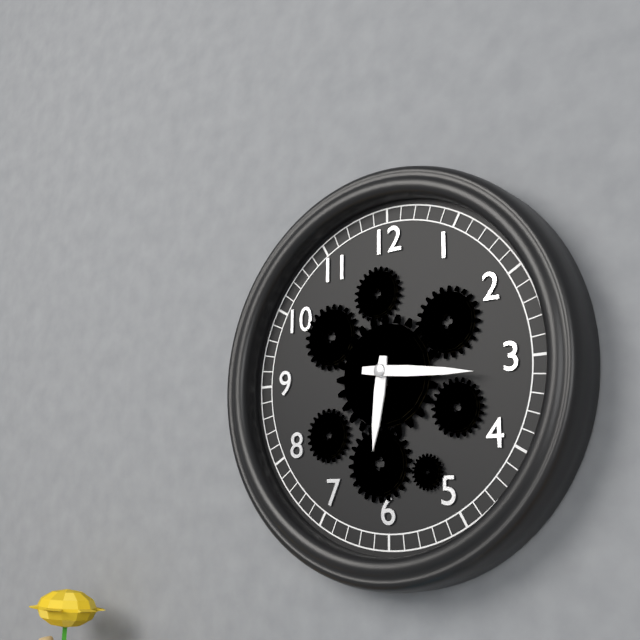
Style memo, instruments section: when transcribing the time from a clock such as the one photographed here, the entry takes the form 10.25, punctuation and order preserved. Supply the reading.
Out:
6.16
